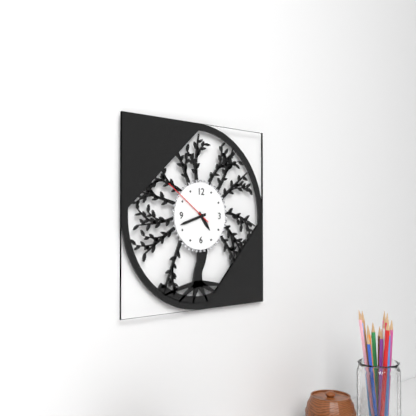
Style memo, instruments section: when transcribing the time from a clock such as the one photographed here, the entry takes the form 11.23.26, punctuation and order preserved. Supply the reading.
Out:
4.42.51
